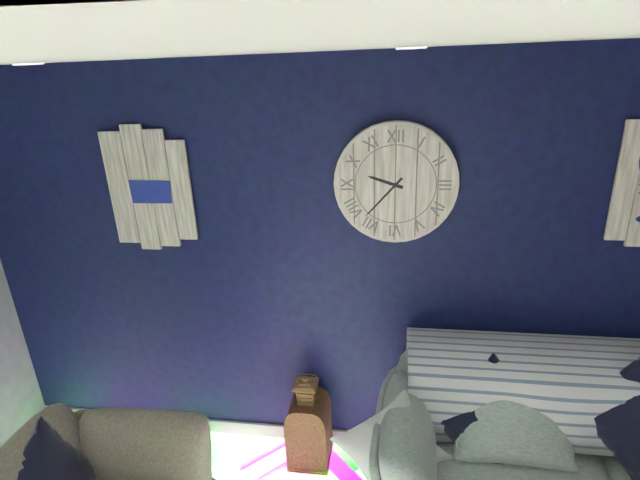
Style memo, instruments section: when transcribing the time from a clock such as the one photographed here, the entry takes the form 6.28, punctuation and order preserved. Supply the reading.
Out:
9.37
